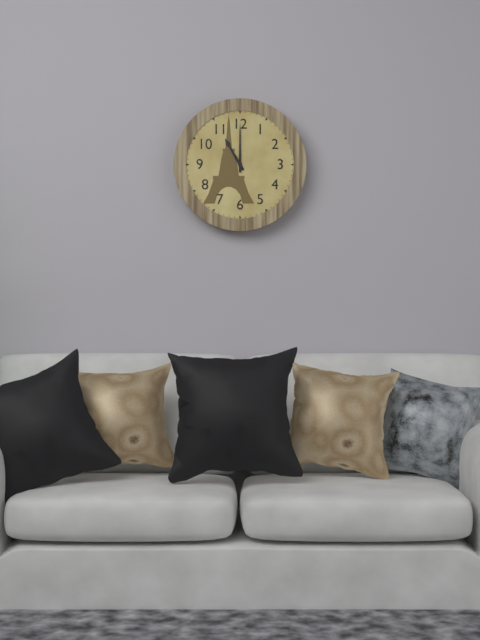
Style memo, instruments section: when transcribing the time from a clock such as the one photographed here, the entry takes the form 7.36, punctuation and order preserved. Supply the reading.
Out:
11.00
